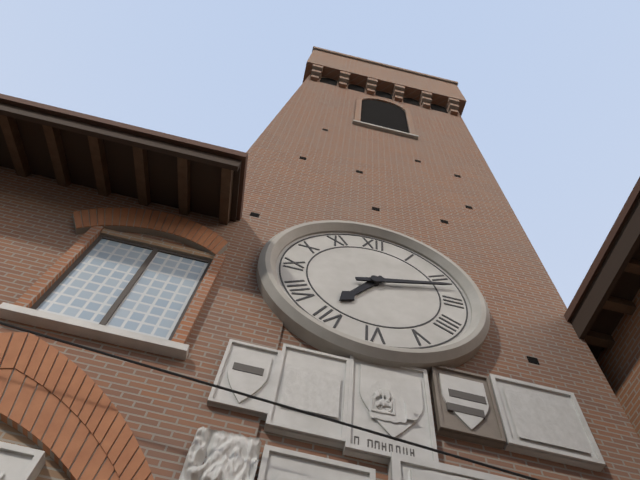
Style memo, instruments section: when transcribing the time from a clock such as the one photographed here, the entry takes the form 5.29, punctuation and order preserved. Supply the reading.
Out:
7.12
